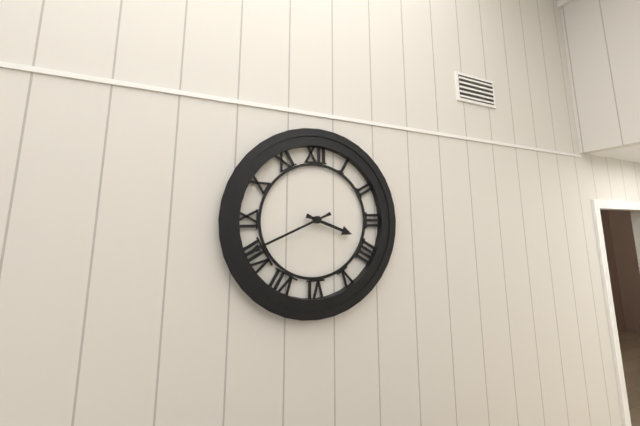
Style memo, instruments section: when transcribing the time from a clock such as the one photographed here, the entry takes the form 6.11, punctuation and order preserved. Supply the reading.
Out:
3.41
